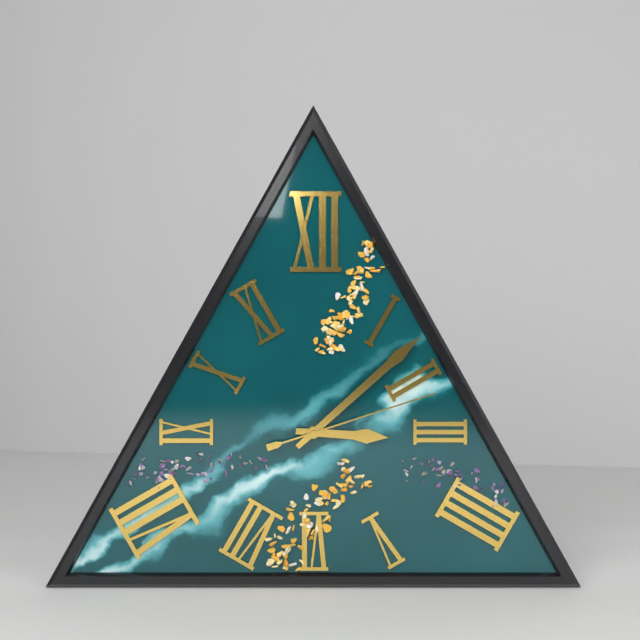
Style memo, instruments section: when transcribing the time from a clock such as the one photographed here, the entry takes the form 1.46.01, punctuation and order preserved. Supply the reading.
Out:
3.08.12
